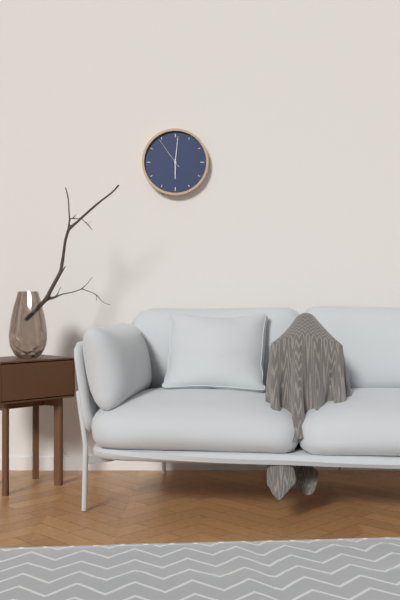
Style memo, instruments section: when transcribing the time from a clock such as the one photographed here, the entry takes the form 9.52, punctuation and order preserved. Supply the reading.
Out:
6.01
